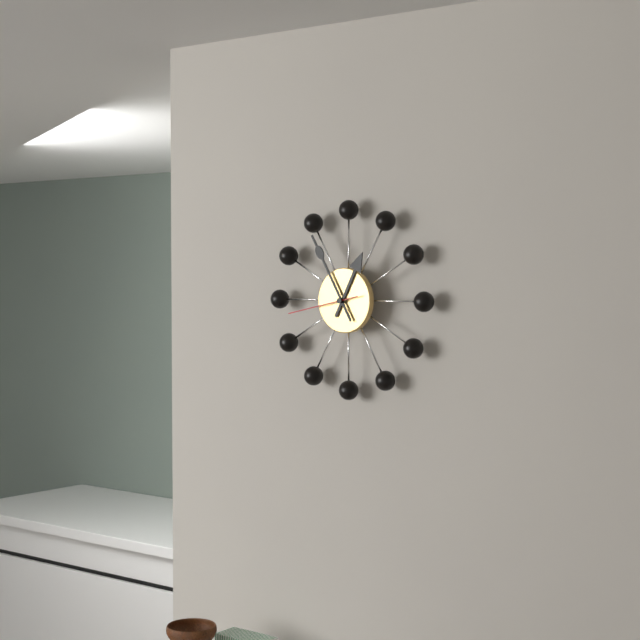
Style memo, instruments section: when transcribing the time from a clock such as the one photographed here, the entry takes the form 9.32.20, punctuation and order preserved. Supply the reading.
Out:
12.55.43
